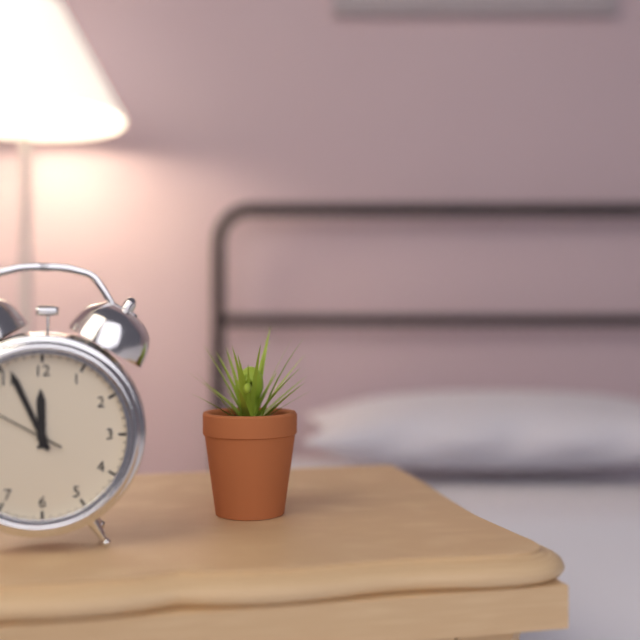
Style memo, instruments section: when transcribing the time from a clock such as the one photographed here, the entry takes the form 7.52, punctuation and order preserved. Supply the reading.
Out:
11.56
